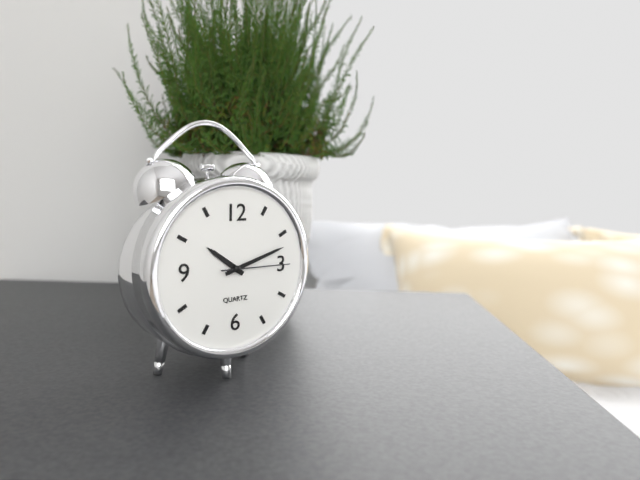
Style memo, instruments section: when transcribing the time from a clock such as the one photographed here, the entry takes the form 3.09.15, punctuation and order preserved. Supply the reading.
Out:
10.12.15
